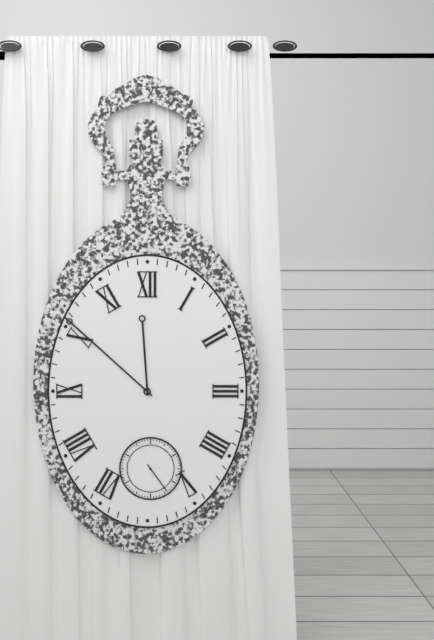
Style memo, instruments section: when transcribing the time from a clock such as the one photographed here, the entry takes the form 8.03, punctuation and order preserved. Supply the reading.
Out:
11.52
